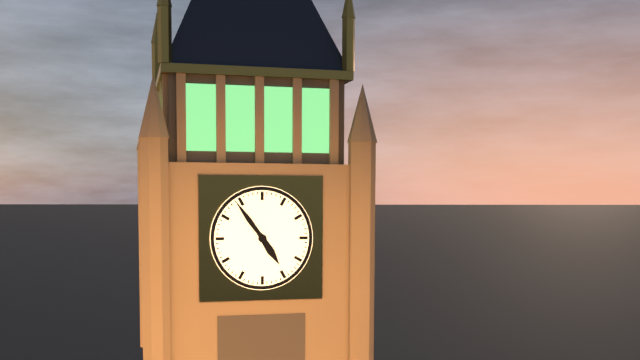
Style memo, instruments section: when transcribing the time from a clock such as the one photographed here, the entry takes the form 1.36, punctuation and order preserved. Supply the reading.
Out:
4.54
